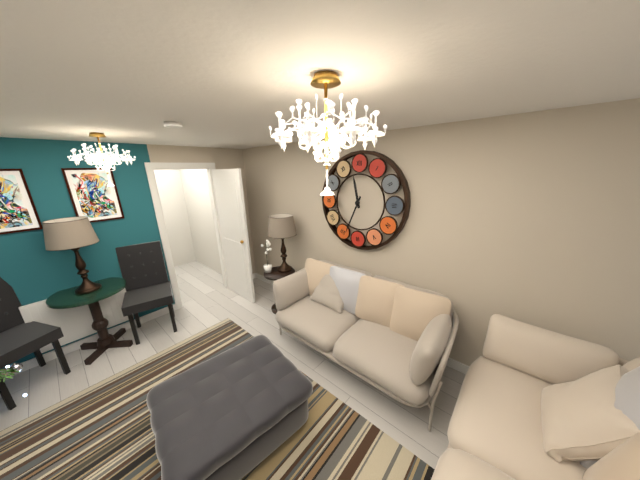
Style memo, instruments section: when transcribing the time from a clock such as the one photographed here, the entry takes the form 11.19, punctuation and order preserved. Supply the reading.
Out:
11.34
